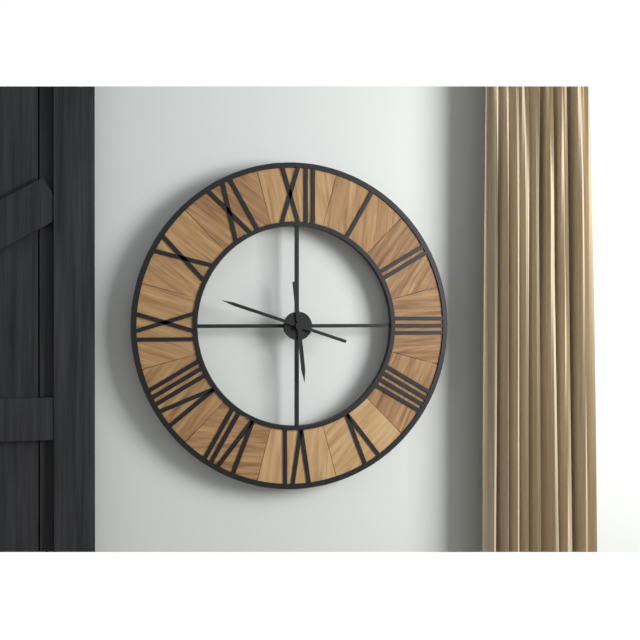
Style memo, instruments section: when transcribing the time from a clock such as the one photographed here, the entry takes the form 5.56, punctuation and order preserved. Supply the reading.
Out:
5.48
